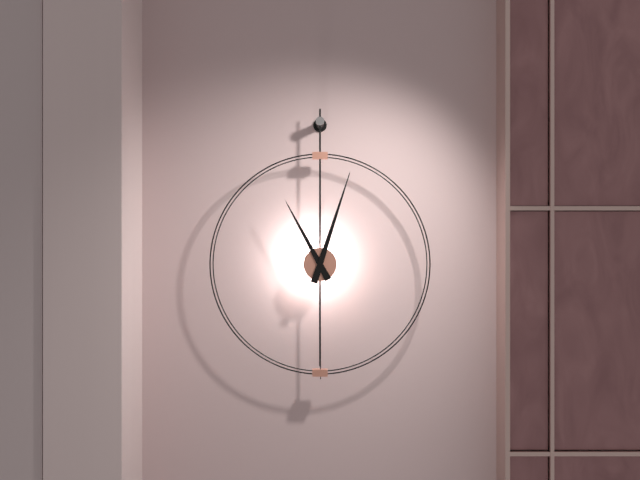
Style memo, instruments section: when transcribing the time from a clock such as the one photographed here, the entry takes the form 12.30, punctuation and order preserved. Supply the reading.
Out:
11.03
